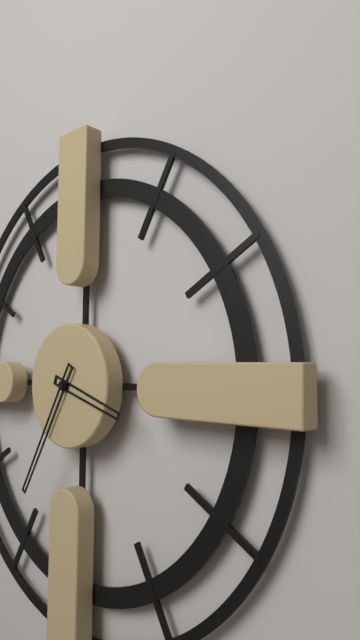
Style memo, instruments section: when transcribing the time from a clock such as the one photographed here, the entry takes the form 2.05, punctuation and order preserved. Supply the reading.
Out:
3.35
